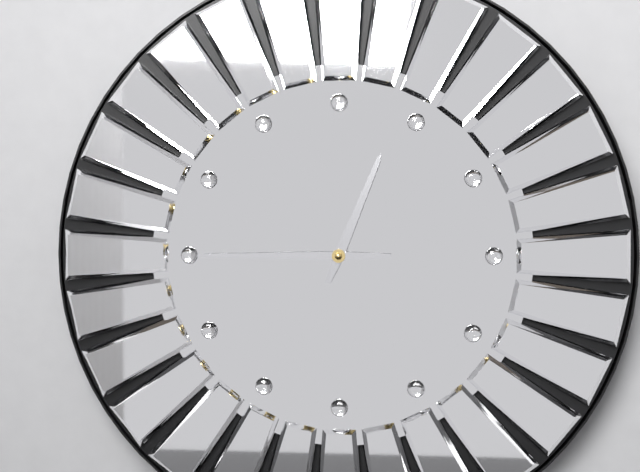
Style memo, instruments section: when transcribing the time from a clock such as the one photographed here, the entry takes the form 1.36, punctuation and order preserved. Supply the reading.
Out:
12.45
